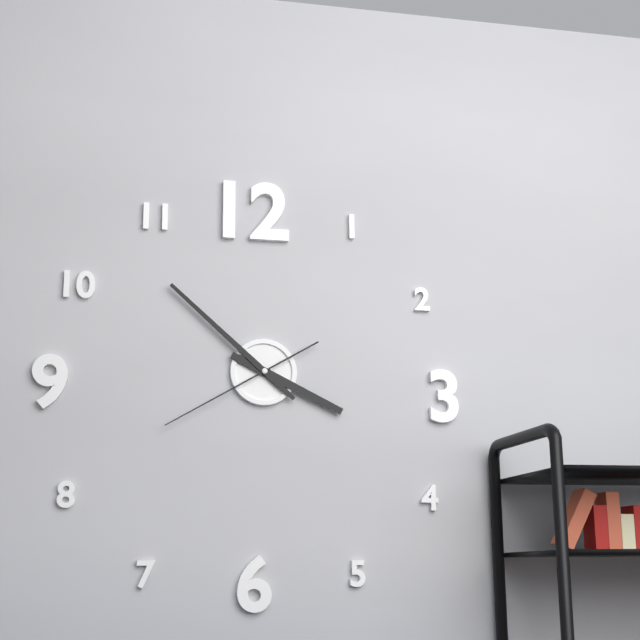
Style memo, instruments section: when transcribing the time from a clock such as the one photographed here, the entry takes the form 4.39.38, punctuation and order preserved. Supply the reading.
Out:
3.52.40
